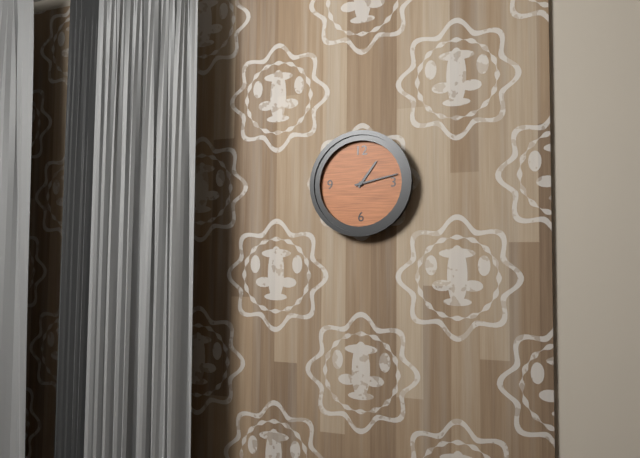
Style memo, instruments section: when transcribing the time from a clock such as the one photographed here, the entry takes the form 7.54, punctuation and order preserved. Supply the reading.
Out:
1.13
